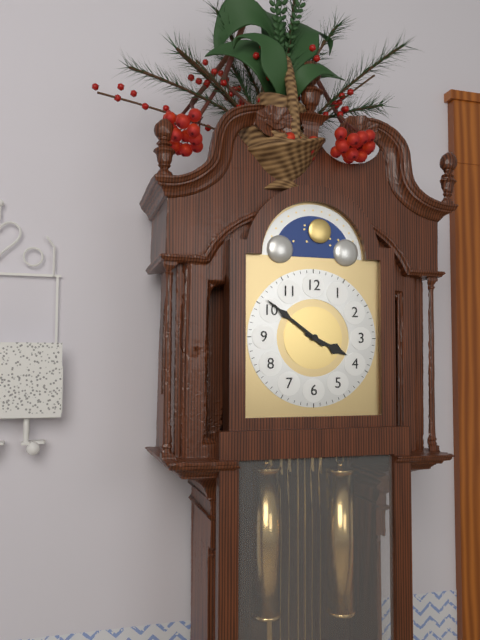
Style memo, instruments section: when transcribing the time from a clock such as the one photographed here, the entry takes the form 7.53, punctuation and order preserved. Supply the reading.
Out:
3.51
